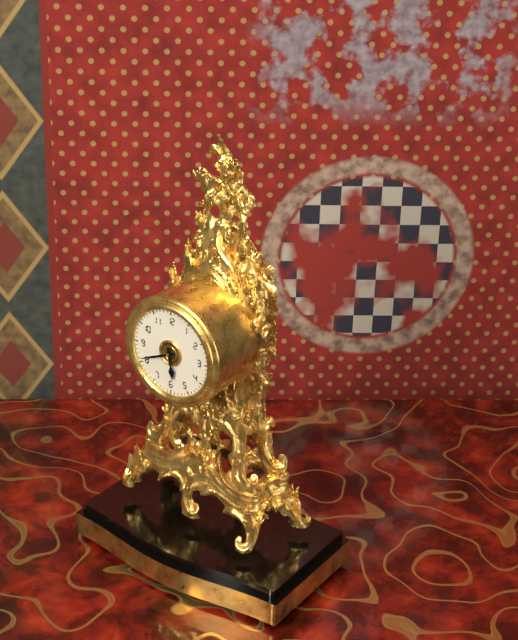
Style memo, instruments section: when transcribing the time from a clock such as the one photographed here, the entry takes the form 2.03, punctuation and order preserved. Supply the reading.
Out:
5.41
